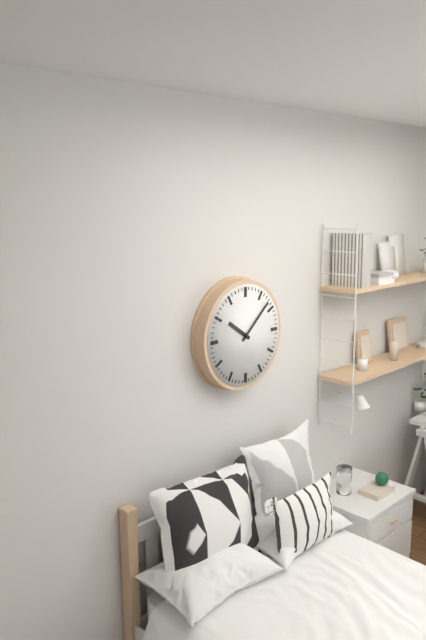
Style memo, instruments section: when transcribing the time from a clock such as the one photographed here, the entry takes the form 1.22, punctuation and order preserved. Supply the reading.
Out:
10.08
